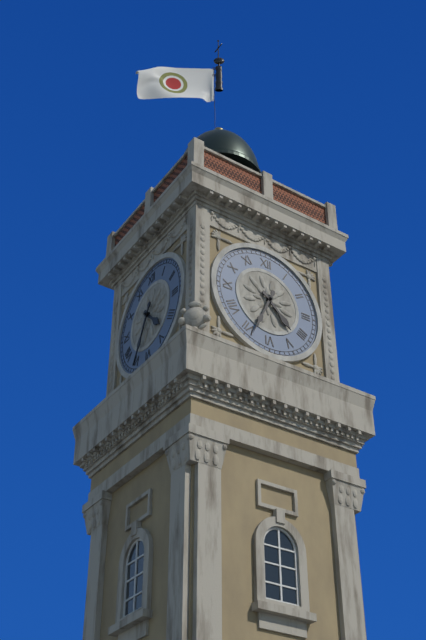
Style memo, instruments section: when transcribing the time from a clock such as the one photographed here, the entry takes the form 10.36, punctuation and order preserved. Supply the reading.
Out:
4.34
